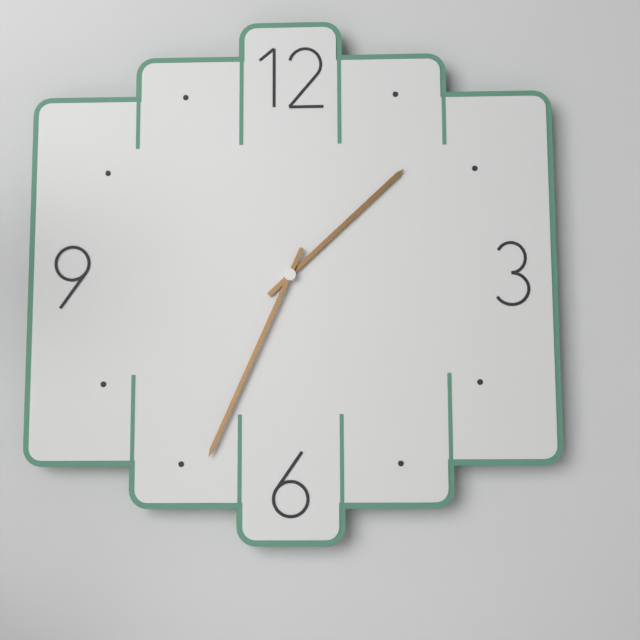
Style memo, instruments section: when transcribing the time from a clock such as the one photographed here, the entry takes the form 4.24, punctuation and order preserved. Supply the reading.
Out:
1.34
